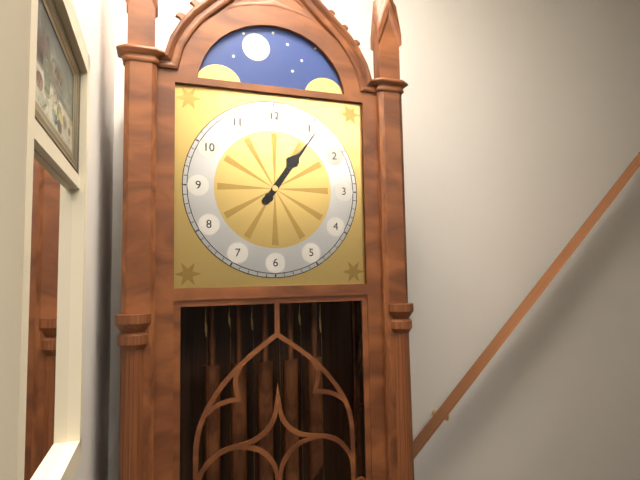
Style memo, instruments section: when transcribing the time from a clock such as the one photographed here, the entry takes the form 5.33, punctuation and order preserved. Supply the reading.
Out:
1.06
